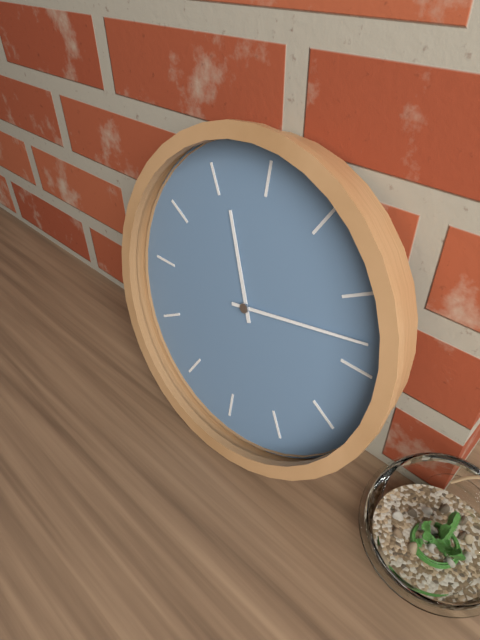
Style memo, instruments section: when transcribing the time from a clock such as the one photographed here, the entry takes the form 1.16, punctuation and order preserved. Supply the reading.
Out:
11.13
